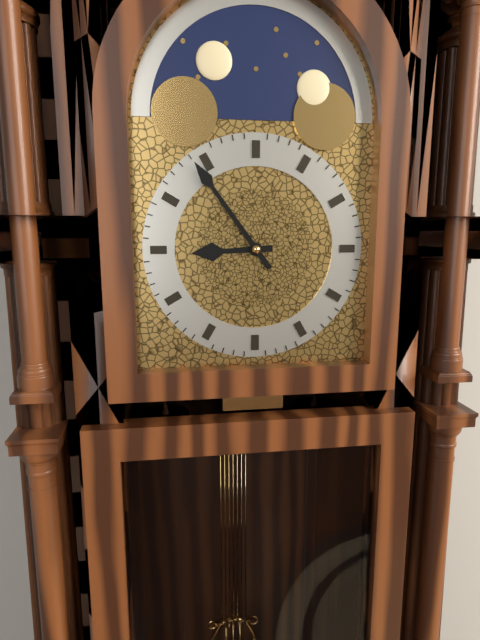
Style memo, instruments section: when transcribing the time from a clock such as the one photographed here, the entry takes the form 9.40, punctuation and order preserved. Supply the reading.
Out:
8.54
